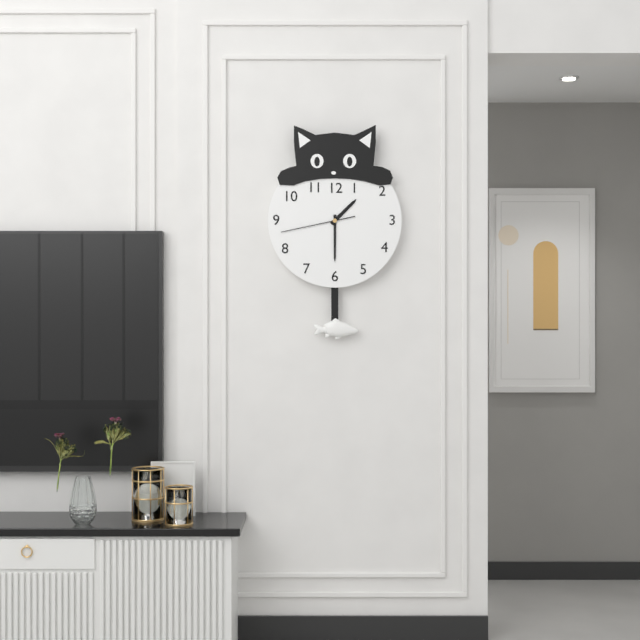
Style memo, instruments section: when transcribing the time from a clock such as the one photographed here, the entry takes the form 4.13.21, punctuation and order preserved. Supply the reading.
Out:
1.30.43
